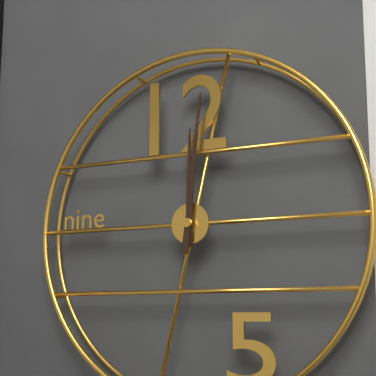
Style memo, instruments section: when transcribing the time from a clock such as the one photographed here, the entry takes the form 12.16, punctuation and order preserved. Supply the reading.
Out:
12.01
